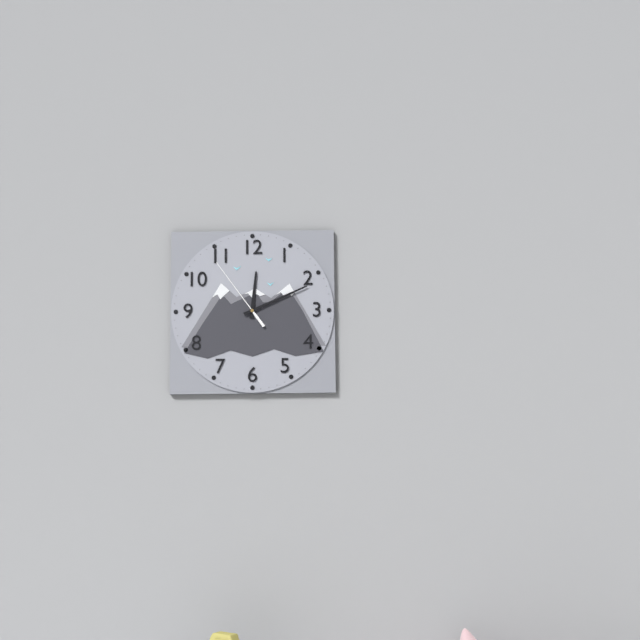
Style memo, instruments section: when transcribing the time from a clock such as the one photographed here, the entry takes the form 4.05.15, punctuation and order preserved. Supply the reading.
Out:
12.11.54
